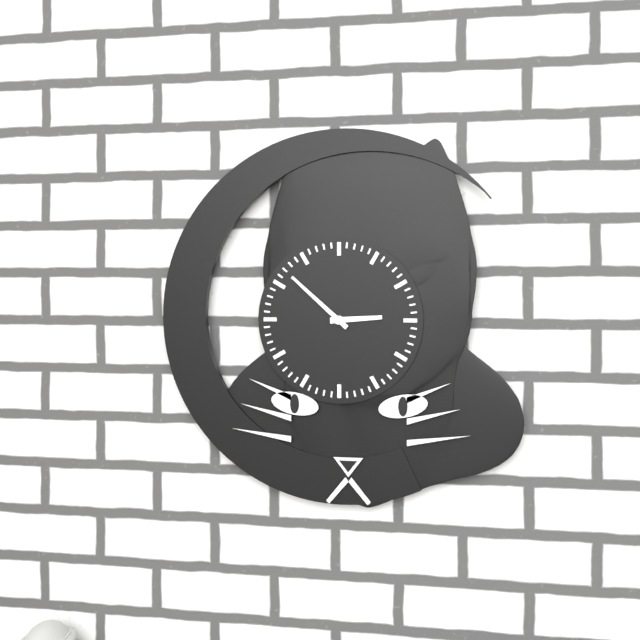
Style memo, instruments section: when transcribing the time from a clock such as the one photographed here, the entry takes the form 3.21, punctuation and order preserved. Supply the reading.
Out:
2.52
